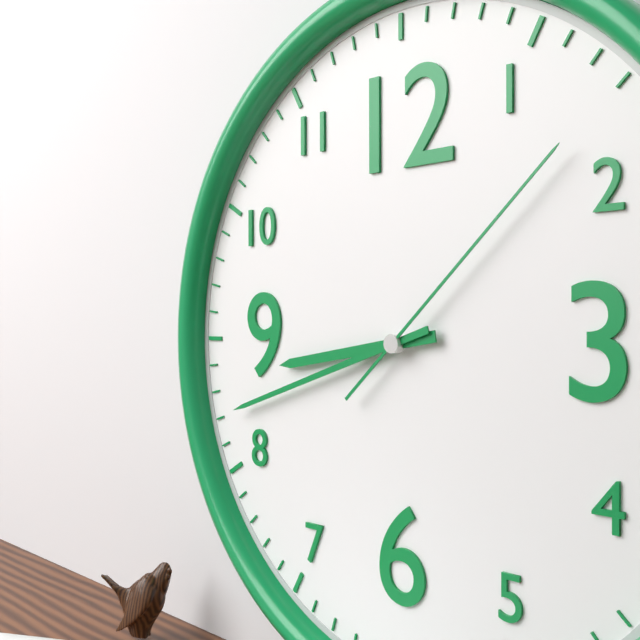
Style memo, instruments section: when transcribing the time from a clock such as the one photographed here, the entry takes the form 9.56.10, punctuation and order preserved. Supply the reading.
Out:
8.42.08
